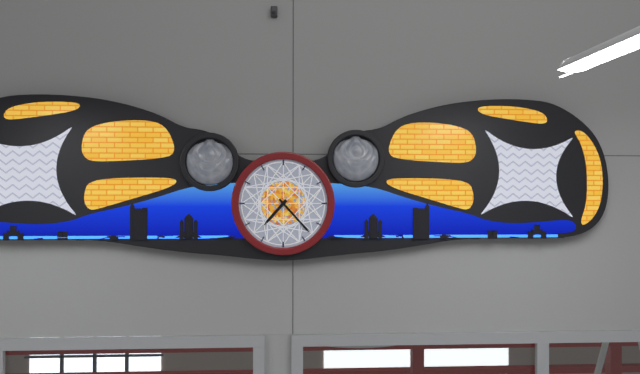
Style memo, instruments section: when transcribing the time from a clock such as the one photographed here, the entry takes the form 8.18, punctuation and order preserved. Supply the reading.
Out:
7.23
